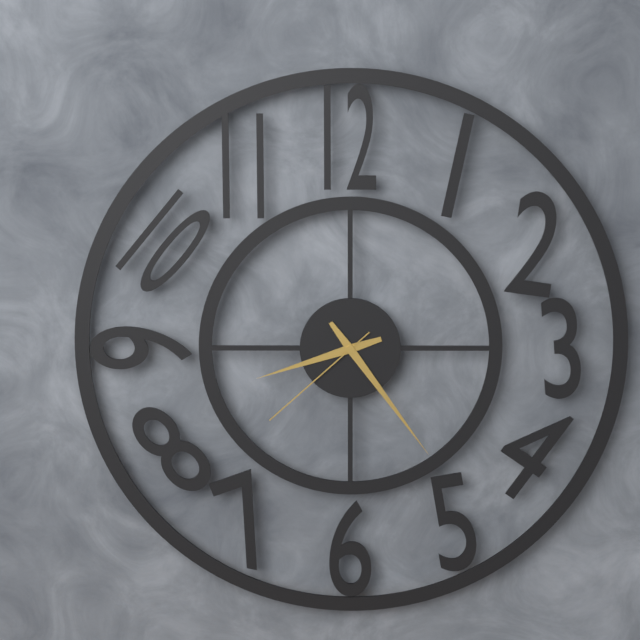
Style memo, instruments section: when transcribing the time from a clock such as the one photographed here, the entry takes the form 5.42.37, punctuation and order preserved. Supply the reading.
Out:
8.24.38
